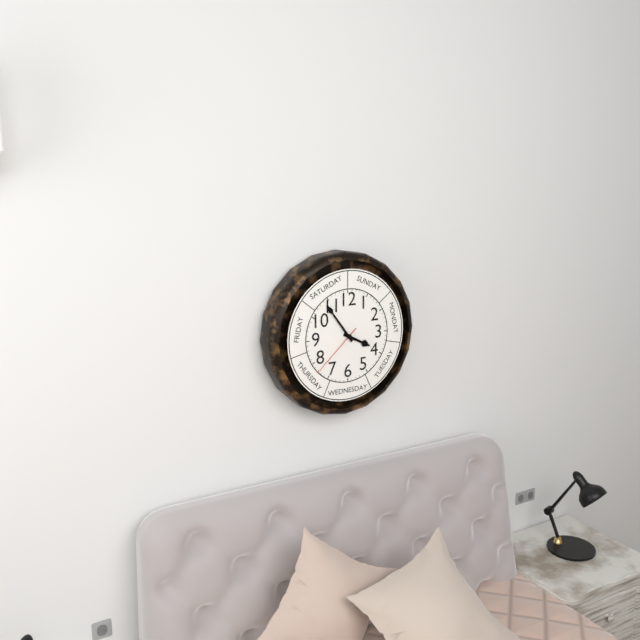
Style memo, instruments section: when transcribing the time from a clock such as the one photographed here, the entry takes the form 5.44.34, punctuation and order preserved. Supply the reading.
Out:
3.54.38
